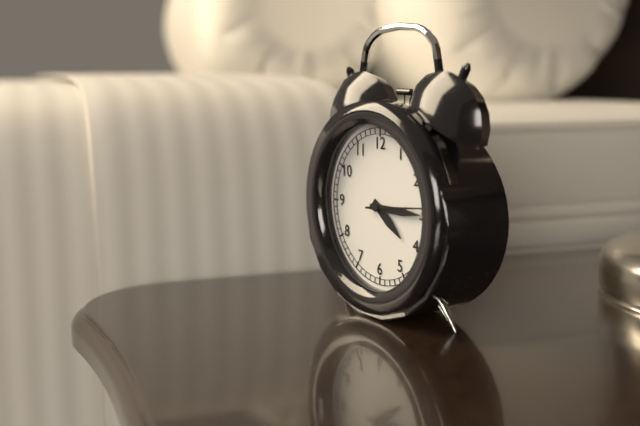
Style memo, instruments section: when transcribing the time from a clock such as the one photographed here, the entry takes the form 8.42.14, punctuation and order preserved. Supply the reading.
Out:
4.15.14
